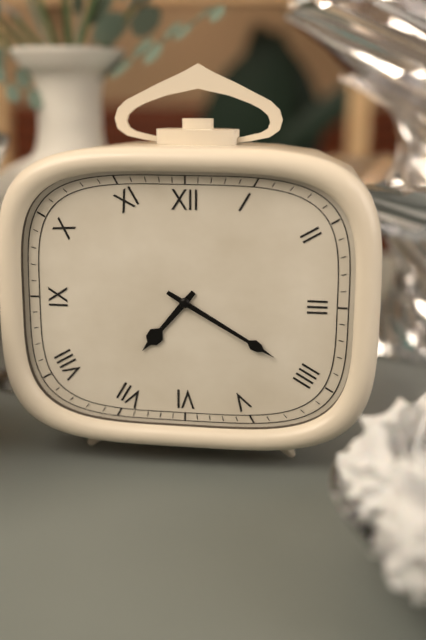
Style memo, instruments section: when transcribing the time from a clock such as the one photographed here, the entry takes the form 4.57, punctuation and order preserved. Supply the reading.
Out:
7.20
